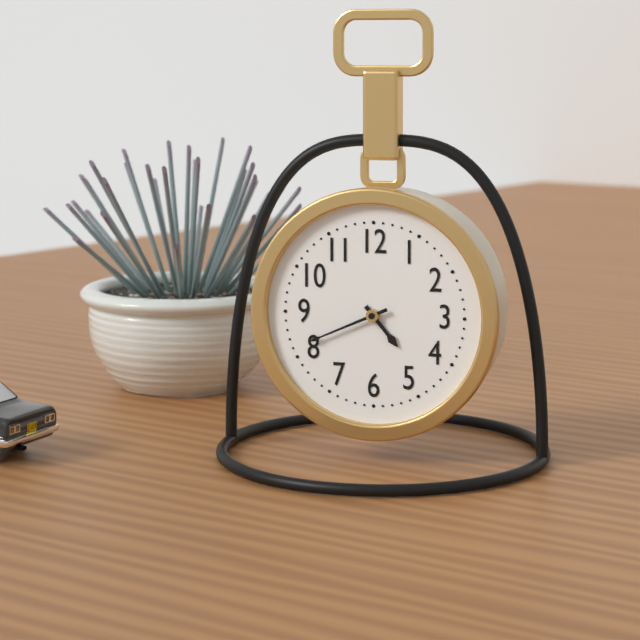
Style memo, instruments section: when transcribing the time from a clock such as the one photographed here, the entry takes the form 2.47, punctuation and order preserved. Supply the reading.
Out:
4.41
